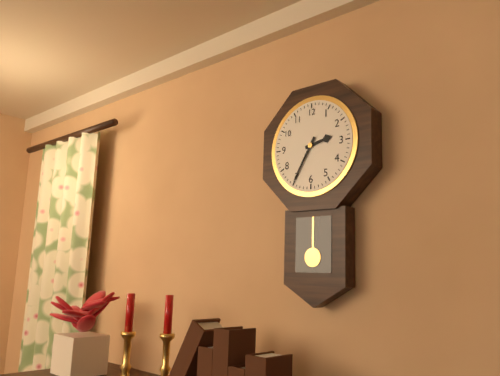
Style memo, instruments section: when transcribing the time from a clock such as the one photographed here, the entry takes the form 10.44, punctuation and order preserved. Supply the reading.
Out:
2.35
